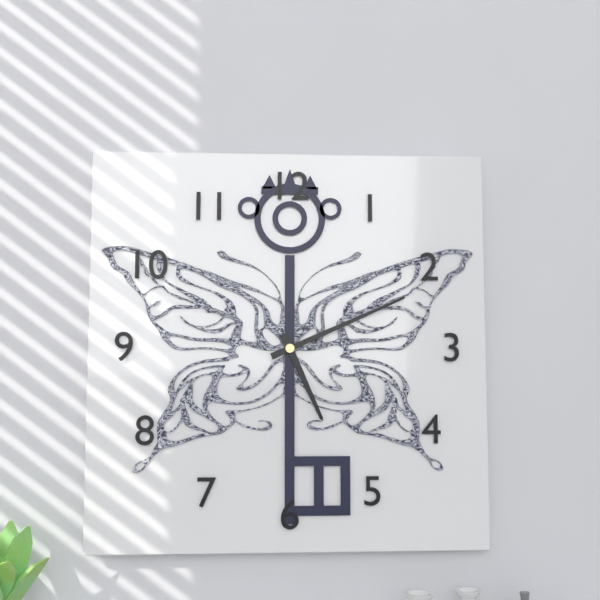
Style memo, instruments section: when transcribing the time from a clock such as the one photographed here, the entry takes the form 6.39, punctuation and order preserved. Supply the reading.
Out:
5.11
